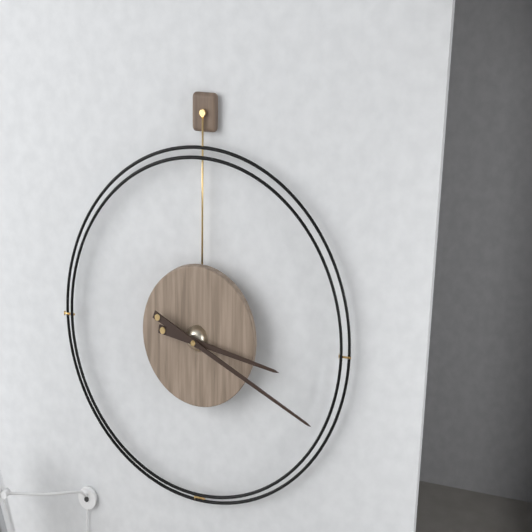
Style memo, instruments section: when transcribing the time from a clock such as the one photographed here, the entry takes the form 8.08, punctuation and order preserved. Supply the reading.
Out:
3.19
